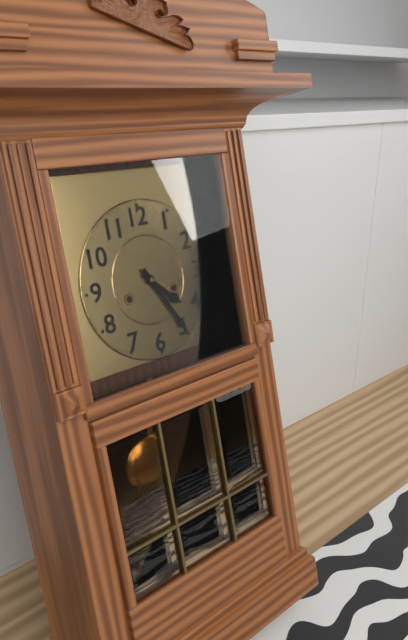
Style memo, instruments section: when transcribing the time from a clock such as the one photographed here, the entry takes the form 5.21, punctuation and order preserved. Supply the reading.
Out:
4.25
